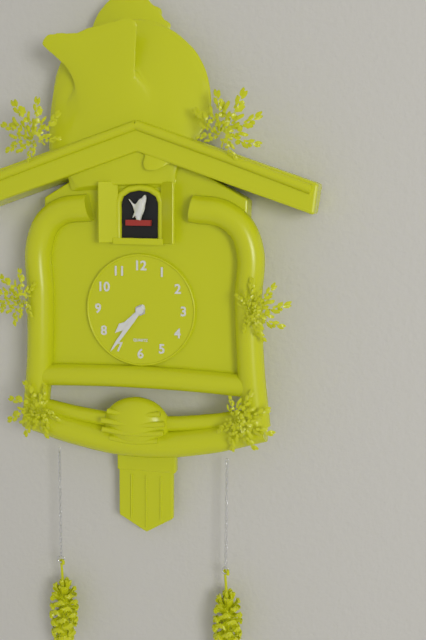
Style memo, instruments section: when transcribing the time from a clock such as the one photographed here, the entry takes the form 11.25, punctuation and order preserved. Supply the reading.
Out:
7.36
